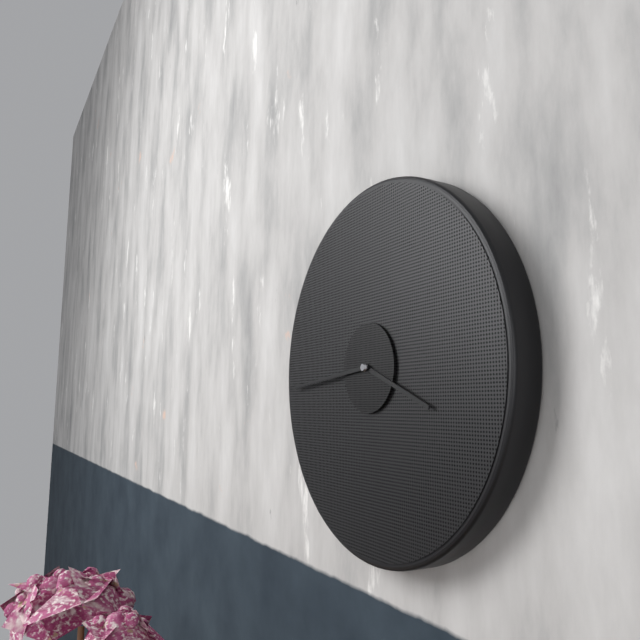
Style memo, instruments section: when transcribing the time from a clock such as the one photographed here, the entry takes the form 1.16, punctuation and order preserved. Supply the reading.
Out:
3.44
